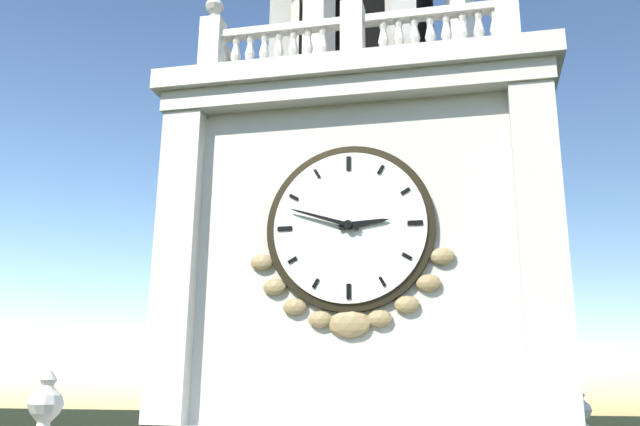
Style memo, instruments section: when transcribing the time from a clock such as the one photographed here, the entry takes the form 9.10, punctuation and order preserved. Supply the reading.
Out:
2.48
